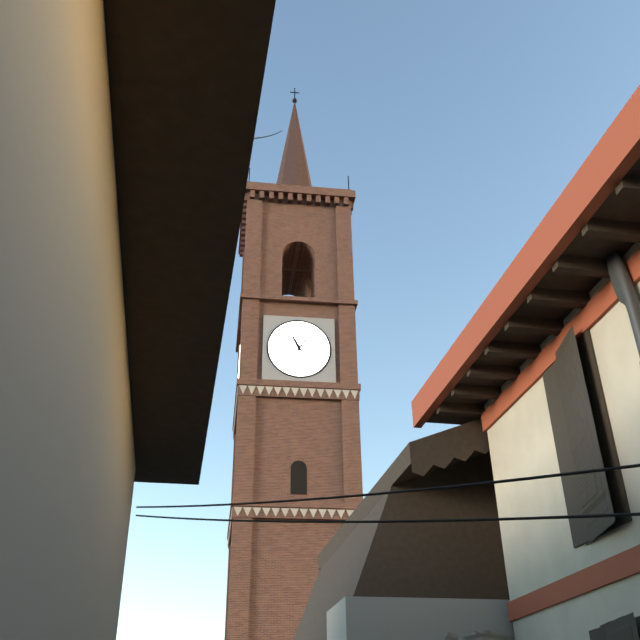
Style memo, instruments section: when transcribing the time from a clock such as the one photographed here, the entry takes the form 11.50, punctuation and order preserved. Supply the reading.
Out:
11.06
